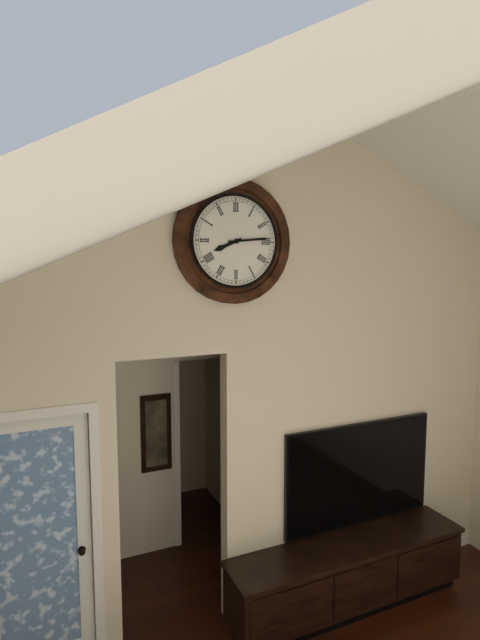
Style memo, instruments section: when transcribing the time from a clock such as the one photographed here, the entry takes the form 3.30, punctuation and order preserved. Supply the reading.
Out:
8.14
